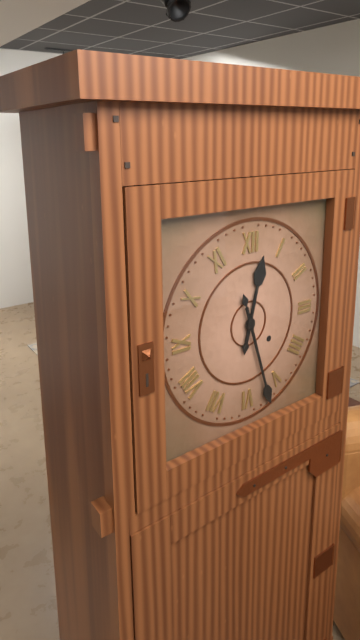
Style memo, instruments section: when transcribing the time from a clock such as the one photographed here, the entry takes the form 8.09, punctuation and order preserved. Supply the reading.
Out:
12.27
